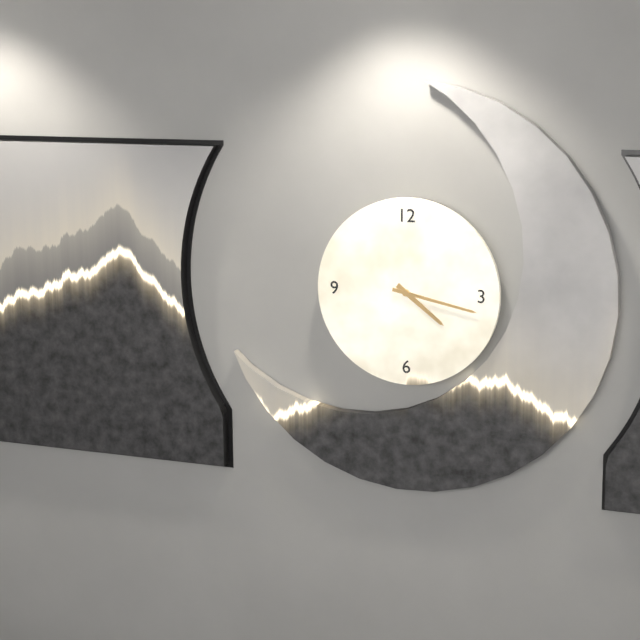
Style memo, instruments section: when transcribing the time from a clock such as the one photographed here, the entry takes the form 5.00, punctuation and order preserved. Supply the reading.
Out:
4.17
